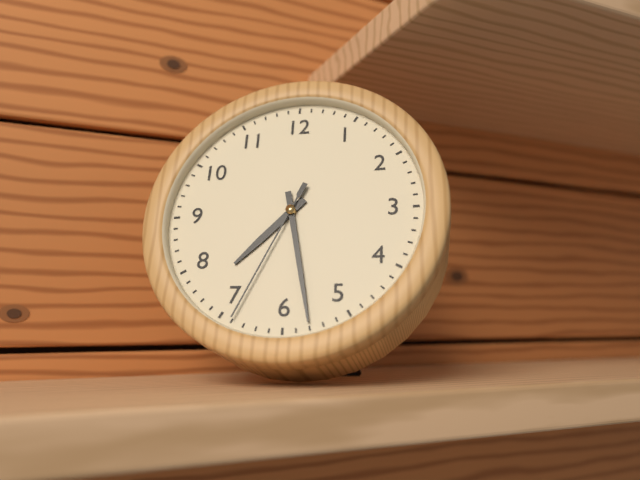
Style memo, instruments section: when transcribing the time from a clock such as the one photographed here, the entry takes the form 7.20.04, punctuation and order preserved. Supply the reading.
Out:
7.28.34
